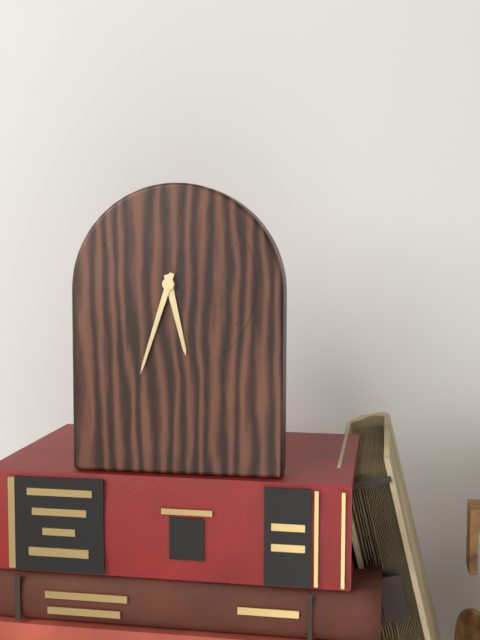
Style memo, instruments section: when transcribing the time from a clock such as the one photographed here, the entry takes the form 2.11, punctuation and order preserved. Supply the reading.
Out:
5.33
